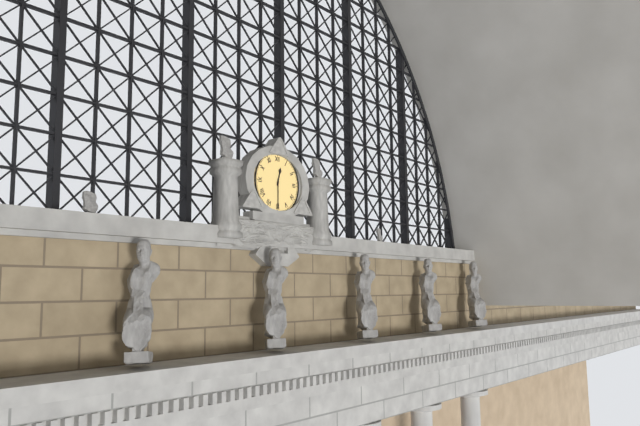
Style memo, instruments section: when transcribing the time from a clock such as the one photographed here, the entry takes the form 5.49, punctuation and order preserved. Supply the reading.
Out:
12.30
